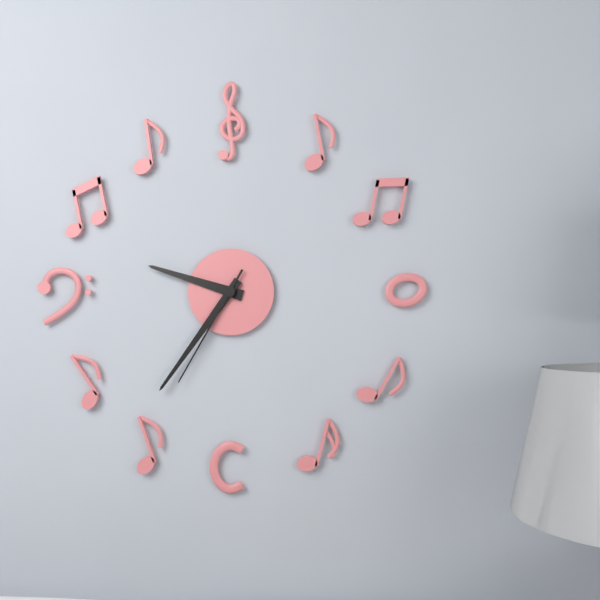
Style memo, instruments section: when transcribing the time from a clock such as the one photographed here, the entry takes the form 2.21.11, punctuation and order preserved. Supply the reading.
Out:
9.36.35
